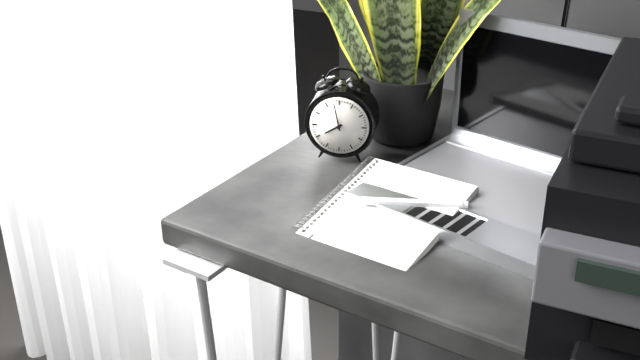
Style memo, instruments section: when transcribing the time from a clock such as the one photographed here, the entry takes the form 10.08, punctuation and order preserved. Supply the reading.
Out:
7.58
